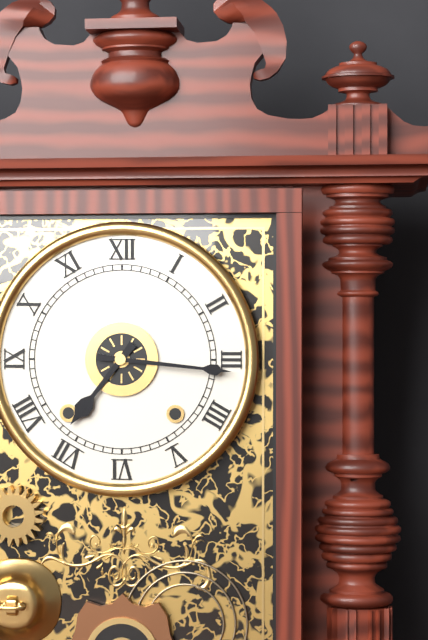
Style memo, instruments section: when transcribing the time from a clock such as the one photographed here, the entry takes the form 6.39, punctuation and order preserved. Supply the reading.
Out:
7.16
